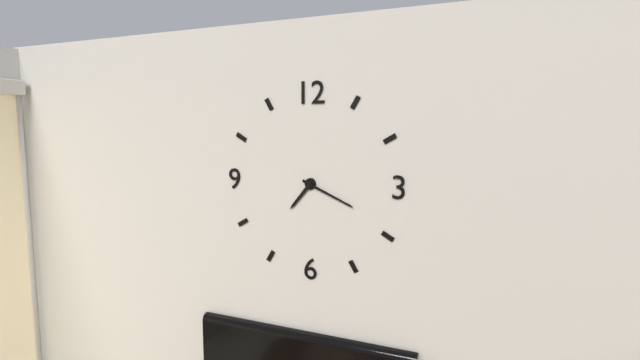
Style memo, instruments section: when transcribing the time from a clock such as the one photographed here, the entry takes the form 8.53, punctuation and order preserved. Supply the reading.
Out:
7.19
